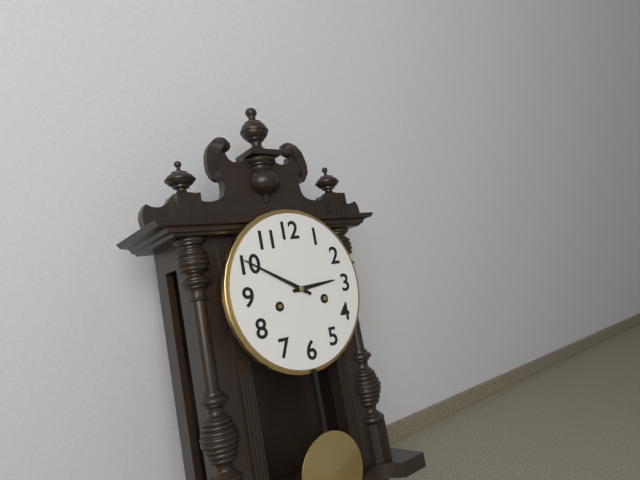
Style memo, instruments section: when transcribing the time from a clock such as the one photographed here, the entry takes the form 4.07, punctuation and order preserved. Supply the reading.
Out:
2.50
